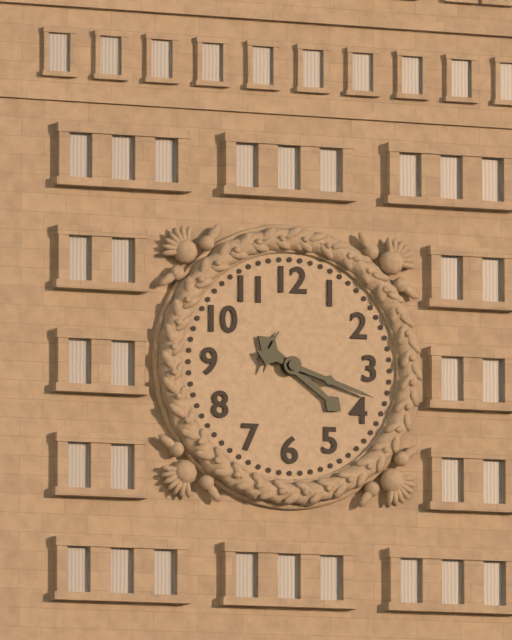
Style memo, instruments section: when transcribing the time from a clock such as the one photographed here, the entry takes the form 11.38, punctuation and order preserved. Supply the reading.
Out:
4.18
